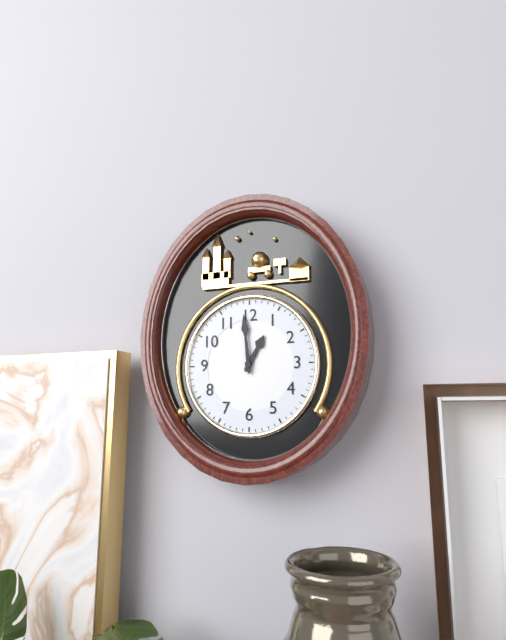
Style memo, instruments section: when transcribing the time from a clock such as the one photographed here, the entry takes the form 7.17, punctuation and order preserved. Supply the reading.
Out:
12.59
